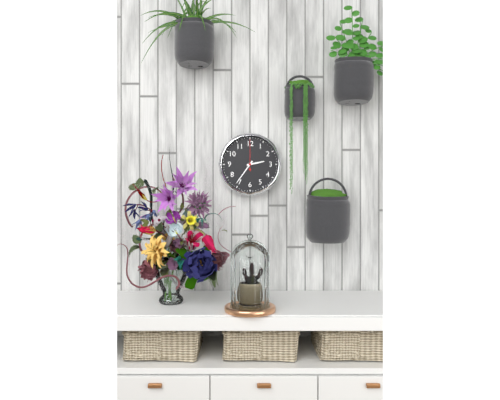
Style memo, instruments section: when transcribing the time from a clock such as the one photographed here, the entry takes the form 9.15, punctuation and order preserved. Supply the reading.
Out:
2.36
